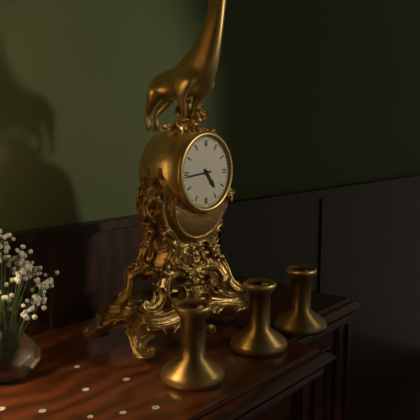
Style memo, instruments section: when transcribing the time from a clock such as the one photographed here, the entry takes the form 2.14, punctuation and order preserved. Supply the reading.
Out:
4.44
